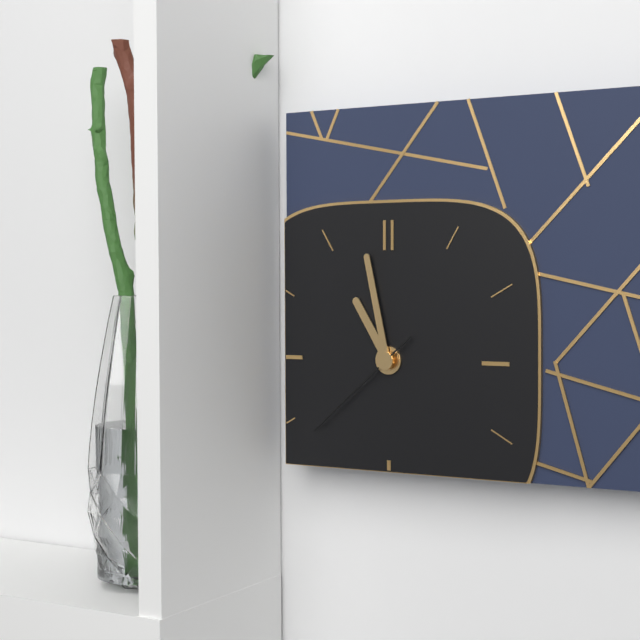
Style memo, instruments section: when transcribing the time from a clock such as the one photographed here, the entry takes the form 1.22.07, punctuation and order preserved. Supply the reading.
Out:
10.58.38
